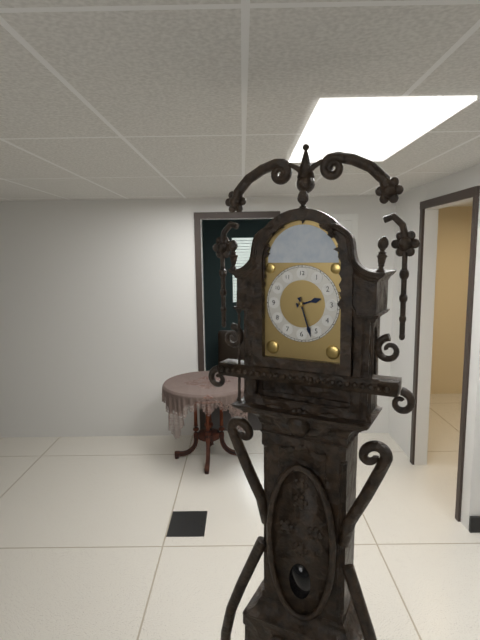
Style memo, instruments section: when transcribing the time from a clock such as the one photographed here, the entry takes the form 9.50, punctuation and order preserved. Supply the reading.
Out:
2.27
